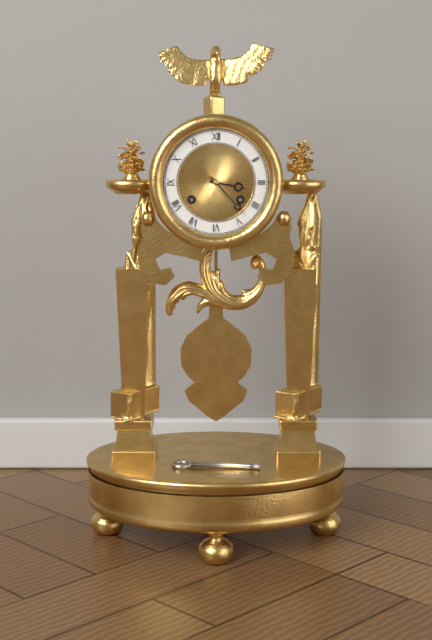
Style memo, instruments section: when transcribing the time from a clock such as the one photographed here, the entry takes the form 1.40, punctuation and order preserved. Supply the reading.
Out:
3.23
